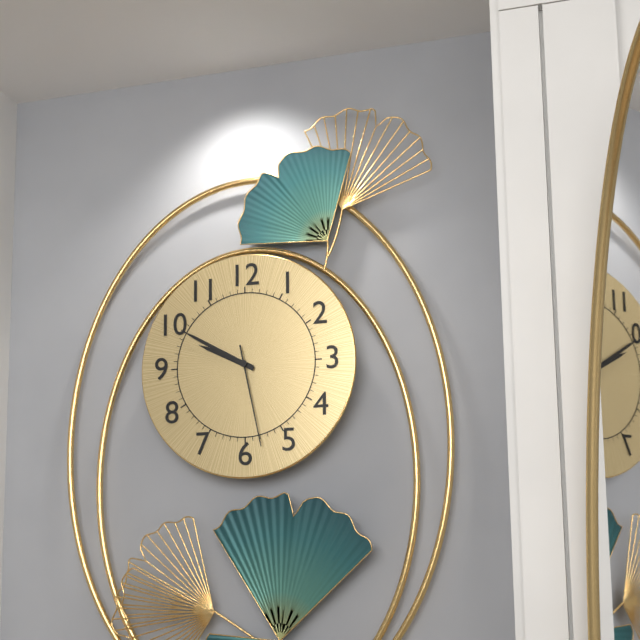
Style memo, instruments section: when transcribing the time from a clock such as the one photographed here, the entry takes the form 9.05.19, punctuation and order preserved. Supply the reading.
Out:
9.50.28
